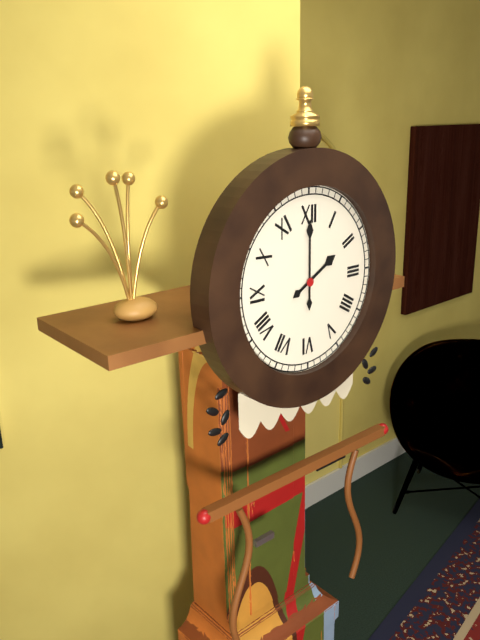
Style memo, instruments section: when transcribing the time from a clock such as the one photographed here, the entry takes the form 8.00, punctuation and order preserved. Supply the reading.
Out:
2.00
